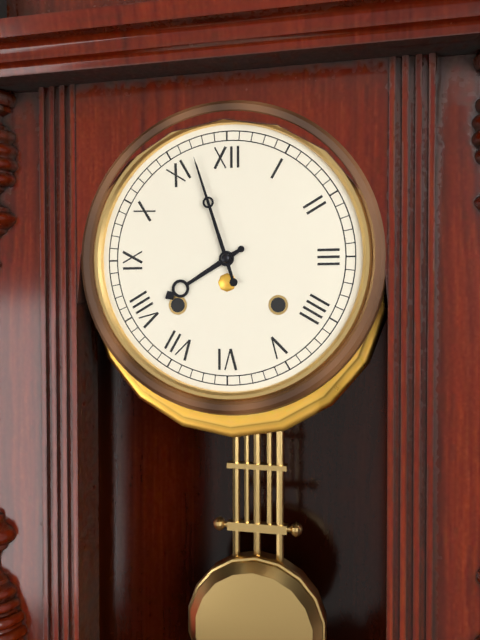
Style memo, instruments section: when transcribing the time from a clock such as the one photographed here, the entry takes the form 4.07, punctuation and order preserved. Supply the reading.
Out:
7.57
